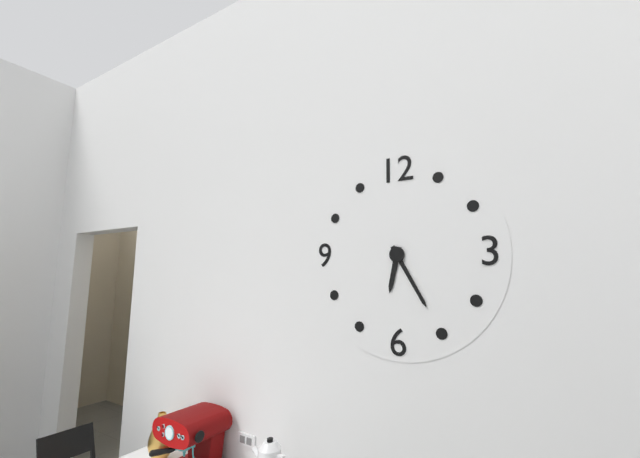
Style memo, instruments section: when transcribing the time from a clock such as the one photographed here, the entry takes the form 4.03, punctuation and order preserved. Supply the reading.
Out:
6.25
